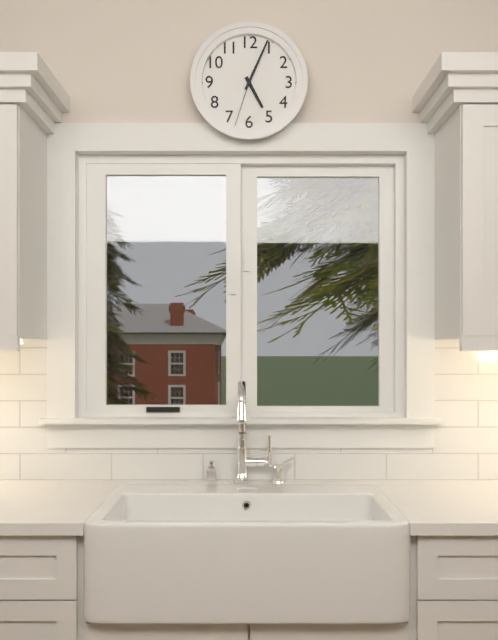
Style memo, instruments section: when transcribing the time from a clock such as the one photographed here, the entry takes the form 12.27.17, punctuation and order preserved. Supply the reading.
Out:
5.04.33
